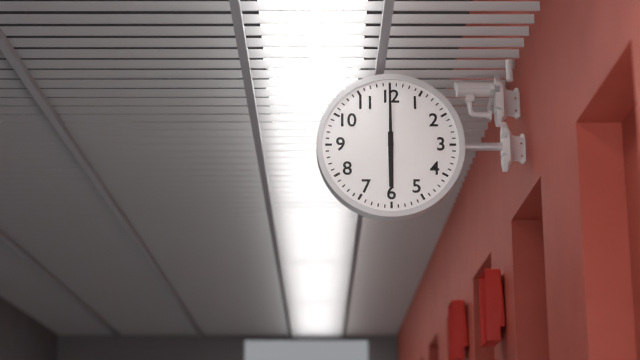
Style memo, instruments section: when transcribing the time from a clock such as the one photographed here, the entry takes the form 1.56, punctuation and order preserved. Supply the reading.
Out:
6.00
